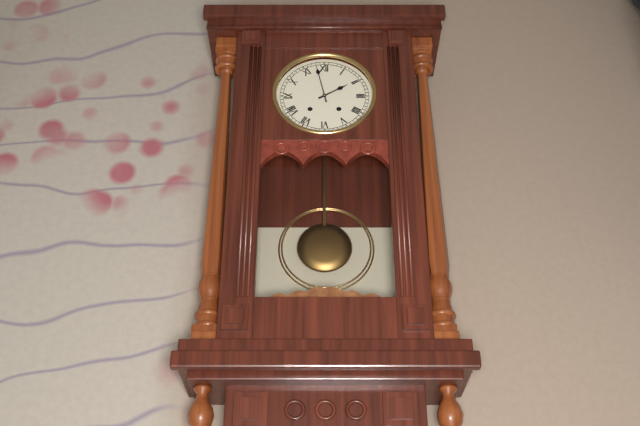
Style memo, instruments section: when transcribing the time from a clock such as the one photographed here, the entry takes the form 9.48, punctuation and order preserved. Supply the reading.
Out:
1.58
